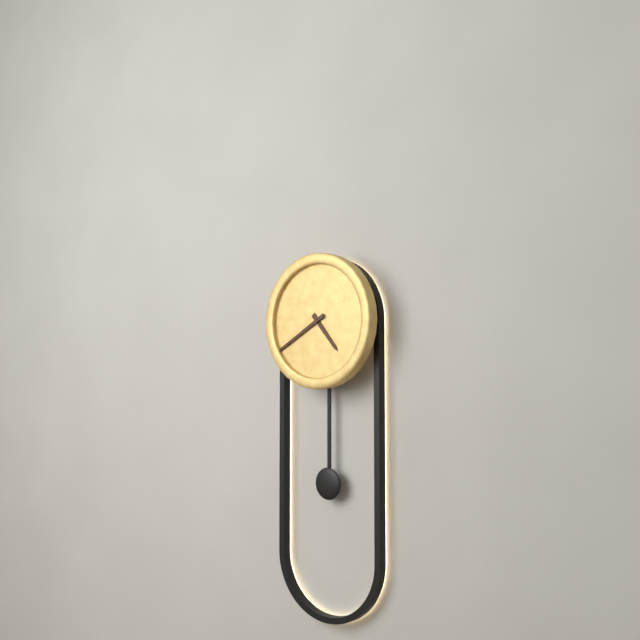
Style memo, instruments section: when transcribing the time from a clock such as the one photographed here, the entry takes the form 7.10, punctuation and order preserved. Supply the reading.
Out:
4.40
